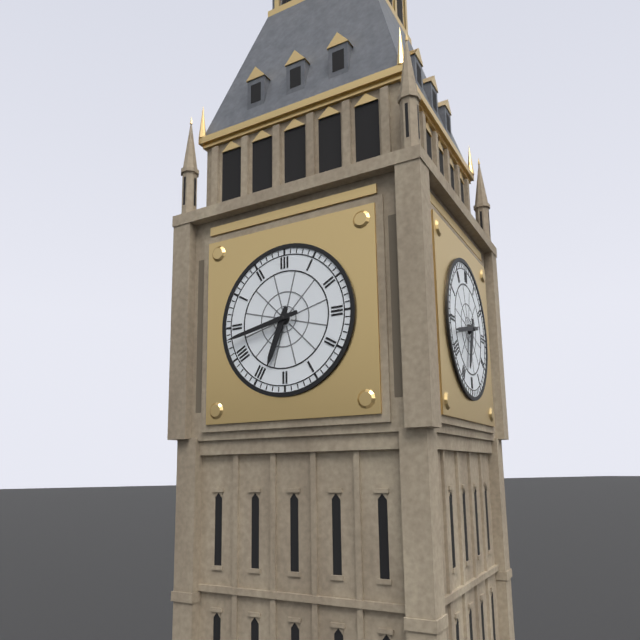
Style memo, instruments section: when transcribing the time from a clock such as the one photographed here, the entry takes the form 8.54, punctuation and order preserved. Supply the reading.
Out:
6.43
